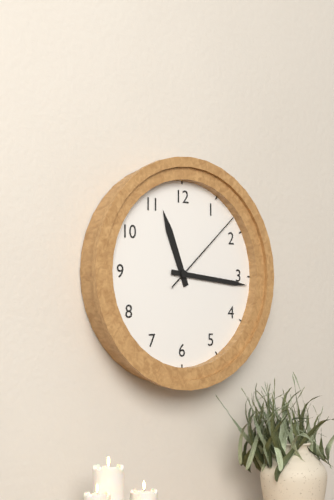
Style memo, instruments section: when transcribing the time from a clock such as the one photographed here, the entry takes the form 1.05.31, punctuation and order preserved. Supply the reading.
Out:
11.16.08
